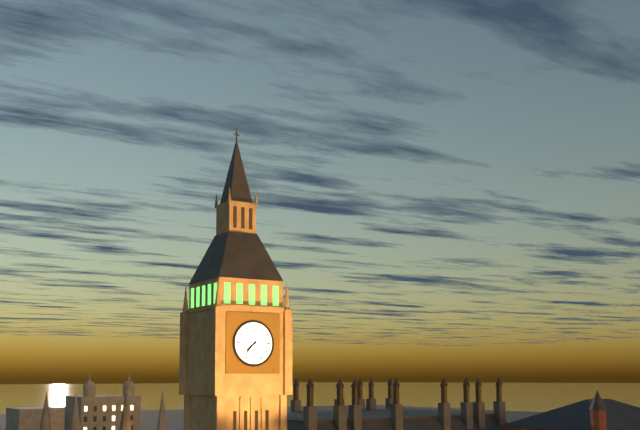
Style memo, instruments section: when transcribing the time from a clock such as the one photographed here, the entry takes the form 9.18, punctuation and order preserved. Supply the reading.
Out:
7.37
